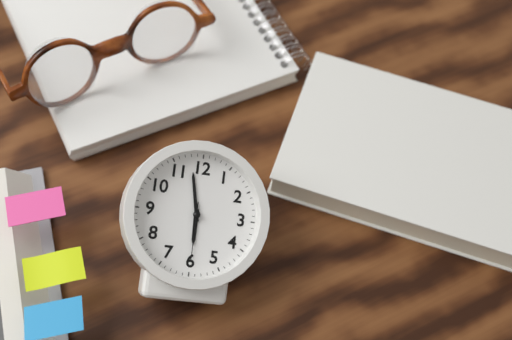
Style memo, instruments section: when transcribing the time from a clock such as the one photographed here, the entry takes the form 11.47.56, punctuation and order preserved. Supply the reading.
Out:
5.58.30
